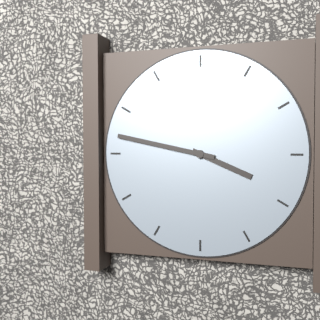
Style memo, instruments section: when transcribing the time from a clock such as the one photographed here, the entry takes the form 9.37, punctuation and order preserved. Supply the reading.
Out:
3.47
